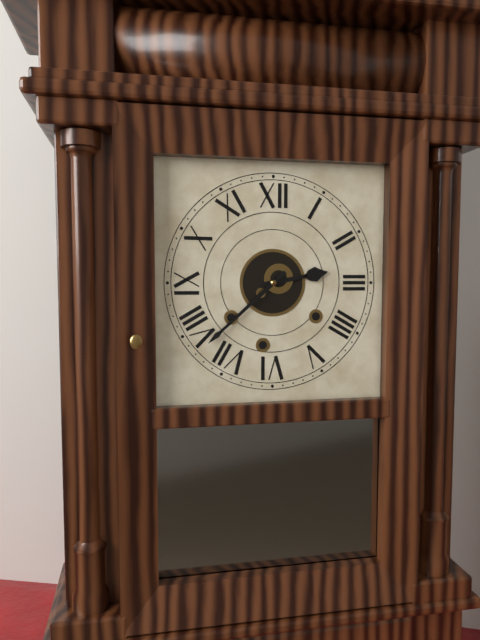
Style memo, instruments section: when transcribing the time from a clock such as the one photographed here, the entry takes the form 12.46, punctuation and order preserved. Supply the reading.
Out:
2.38
